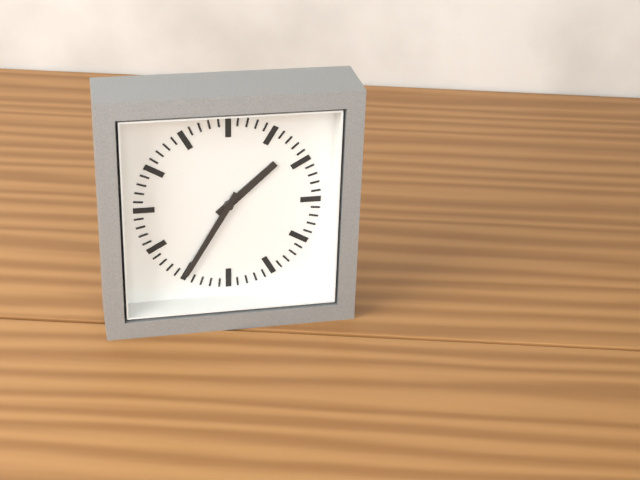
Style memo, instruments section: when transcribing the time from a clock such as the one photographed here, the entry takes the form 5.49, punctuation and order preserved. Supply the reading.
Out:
1.35
